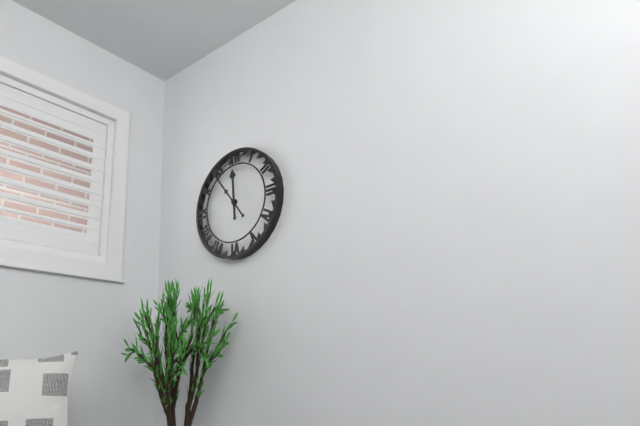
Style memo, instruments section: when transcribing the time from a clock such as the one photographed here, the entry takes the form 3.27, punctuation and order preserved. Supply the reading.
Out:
11.54
